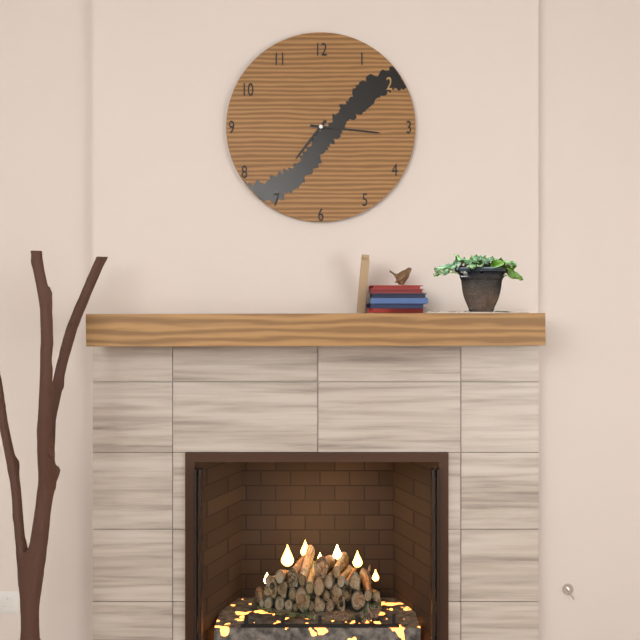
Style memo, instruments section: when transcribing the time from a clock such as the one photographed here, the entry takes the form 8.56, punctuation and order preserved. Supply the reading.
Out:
7.16
